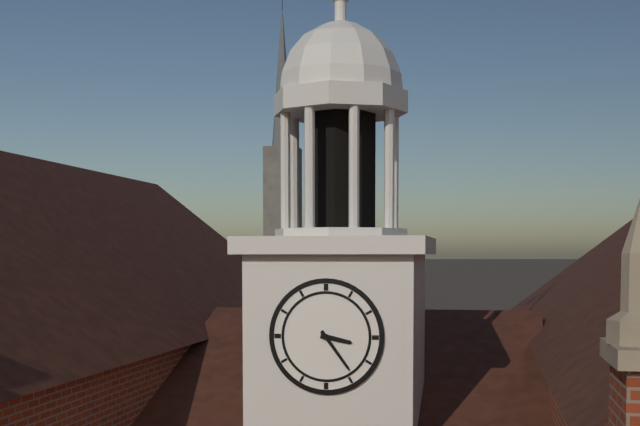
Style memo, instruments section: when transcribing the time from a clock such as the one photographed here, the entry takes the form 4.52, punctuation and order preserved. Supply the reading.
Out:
3.24
